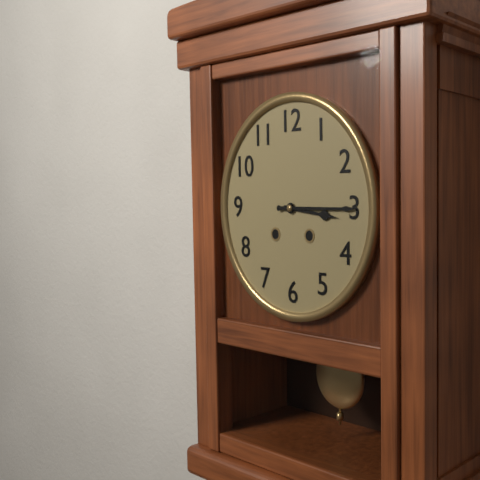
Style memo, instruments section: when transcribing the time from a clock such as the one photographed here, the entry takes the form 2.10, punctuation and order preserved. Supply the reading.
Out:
3.15
